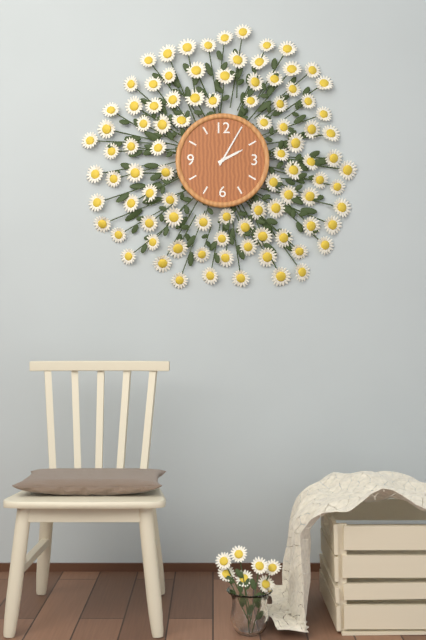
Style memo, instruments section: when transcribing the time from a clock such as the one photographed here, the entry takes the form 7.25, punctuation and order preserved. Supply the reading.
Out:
2.05
